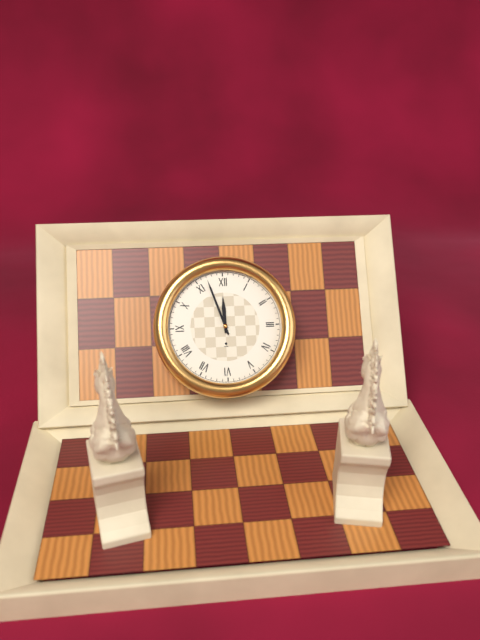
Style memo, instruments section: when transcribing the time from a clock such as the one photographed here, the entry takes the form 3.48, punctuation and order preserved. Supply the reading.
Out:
11.57
